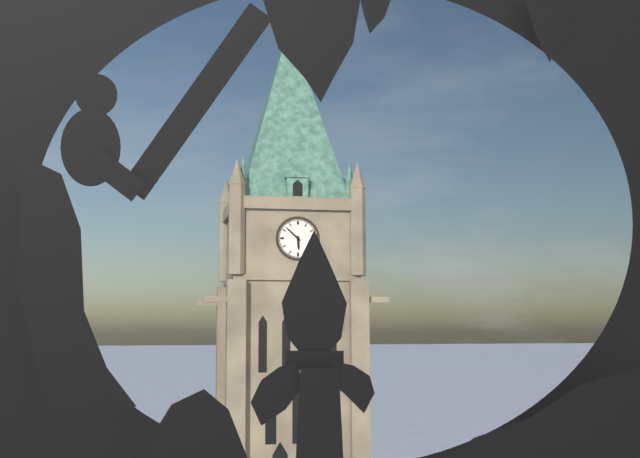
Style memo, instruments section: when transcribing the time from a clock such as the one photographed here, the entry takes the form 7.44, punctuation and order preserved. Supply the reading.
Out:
5.52
